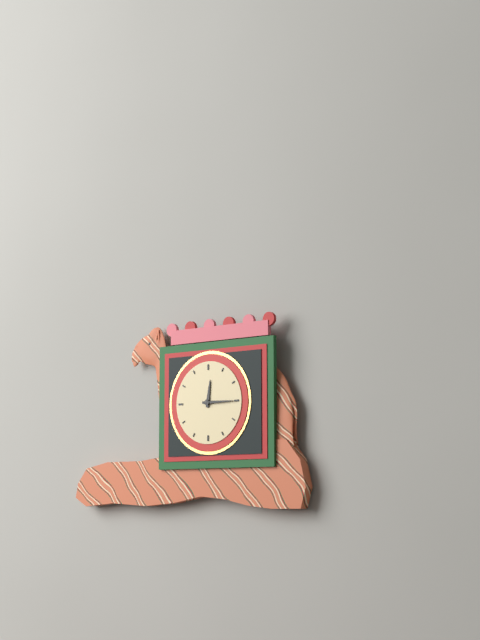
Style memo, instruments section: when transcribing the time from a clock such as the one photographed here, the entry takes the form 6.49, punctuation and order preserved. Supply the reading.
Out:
12.15
